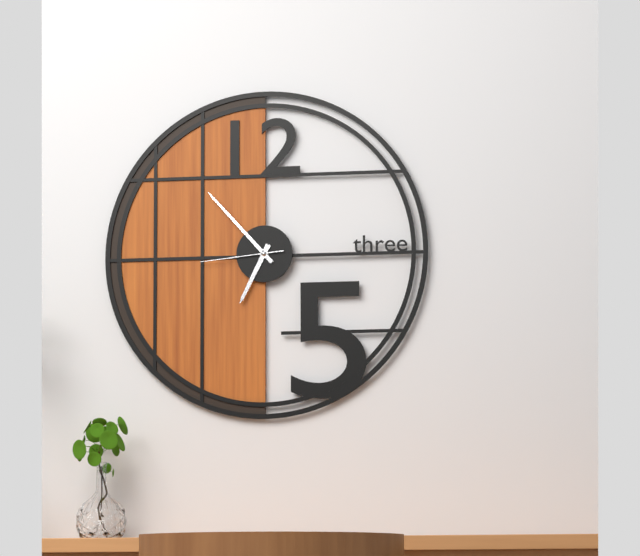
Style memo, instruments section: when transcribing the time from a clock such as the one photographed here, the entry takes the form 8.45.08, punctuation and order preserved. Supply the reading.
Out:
6.53.44
